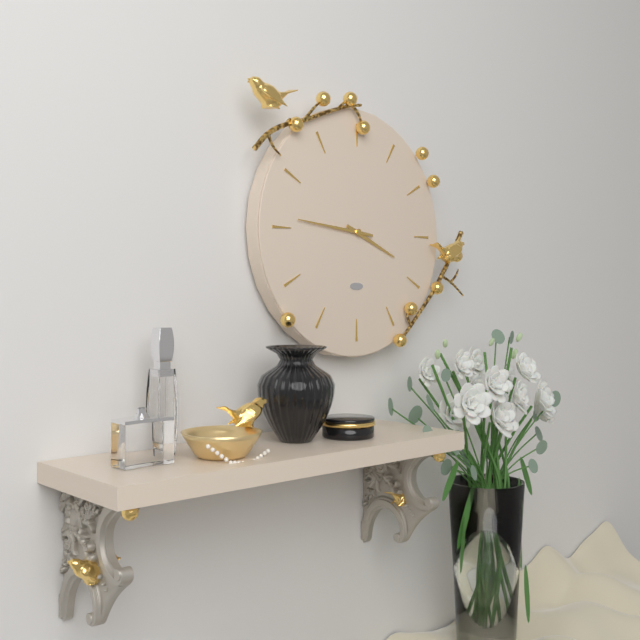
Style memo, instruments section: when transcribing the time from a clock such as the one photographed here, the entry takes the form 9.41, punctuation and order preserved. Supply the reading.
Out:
3.46
